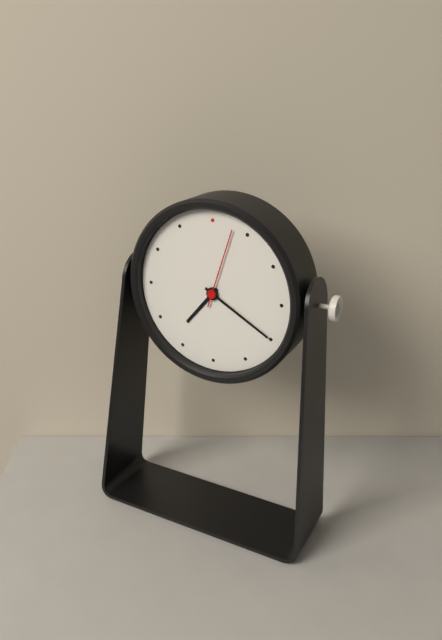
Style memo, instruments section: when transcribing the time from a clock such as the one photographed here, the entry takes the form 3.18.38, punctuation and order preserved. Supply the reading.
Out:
7.20.03
